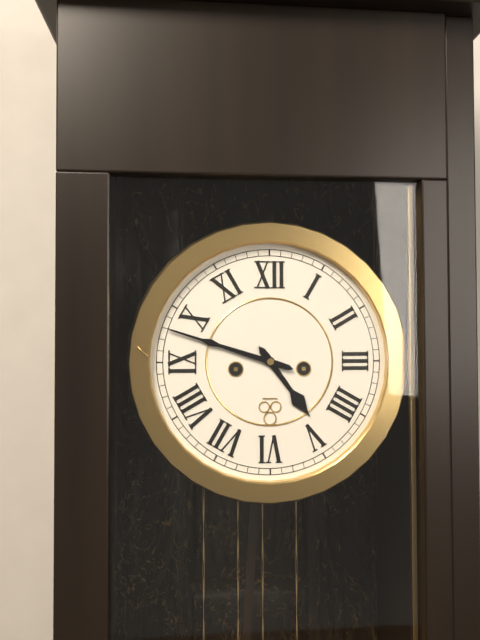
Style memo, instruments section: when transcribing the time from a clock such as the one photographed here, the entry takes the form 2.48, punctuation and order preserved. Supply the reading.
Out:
4.48
